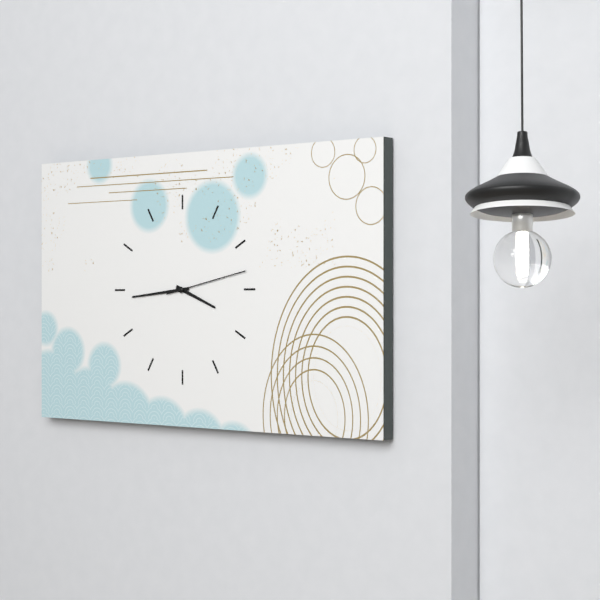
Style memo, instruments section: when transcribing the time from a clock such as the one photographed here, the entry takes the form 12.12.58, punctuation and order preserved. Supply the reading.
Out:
3.44.13
